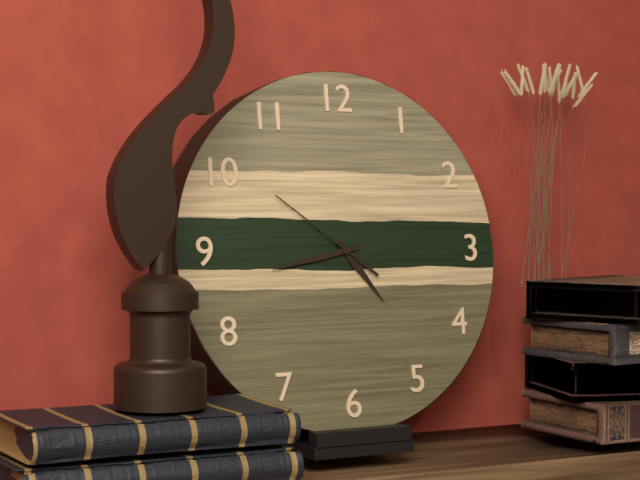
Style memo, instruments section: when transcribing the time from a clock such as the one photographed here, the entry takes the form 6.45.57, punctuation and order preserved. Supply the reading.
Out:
4.43.51
